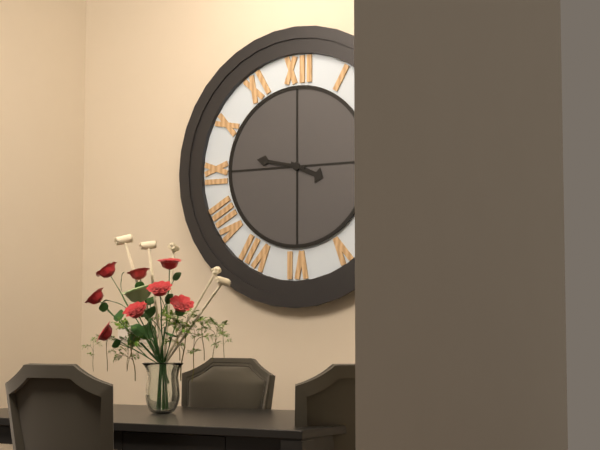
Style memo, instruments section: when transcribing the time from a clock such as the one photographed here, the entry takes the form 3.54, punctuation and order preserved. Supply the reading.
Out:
3.47
